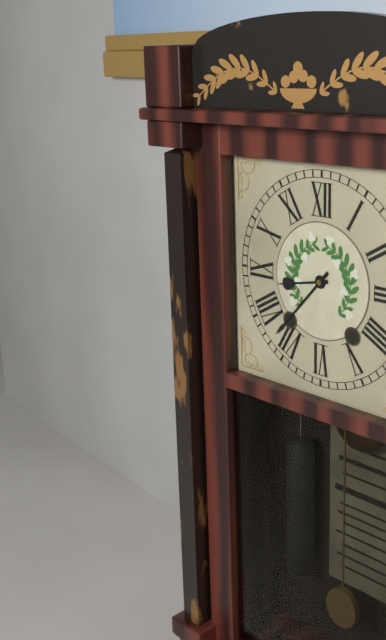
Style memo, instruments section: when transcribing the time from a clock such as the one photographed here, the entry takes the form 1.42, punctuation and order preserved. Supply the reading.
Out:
8.37
